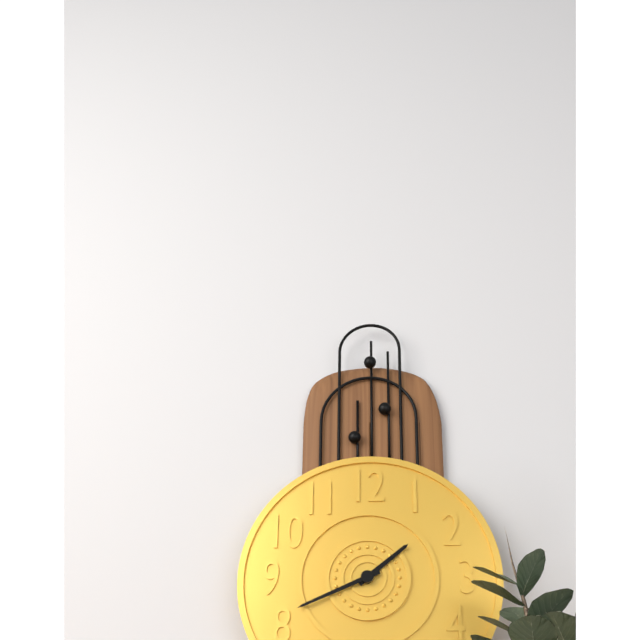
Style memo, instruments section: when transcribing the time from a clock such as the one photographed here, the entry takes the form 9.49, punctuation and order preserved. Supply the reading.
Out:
1.41
